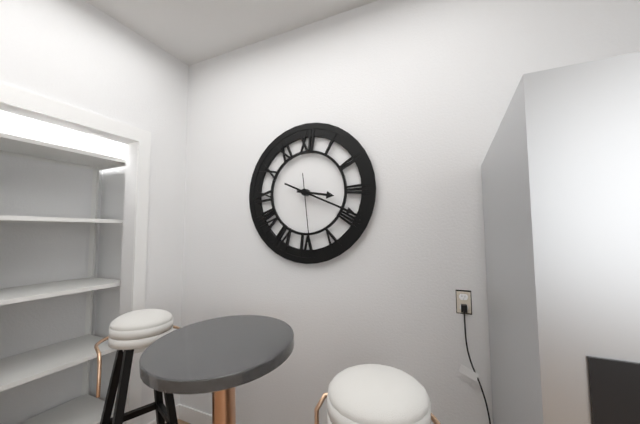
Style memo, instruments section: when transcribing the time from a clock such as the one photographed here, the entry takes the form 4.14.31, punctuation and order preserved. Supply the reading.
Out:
3.19.29
